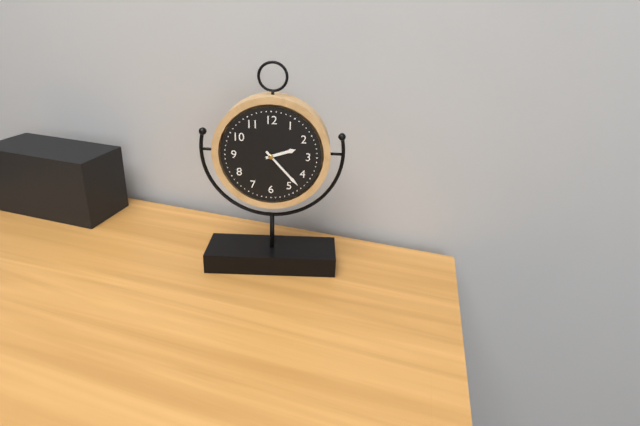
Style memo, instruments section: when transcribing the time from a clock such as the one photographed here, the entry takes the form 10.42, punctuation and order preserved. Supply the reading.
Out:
2.23
